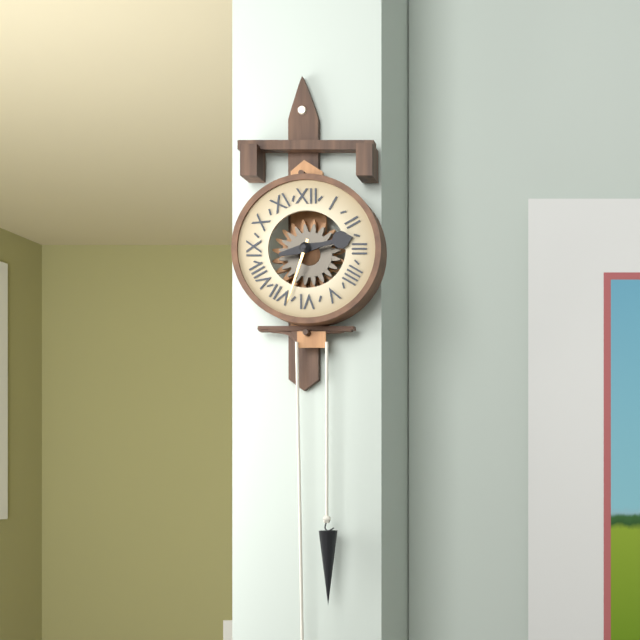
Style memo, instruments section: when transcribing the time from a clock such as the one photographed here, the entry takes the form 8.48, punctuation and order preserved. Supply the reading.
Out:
2.33
